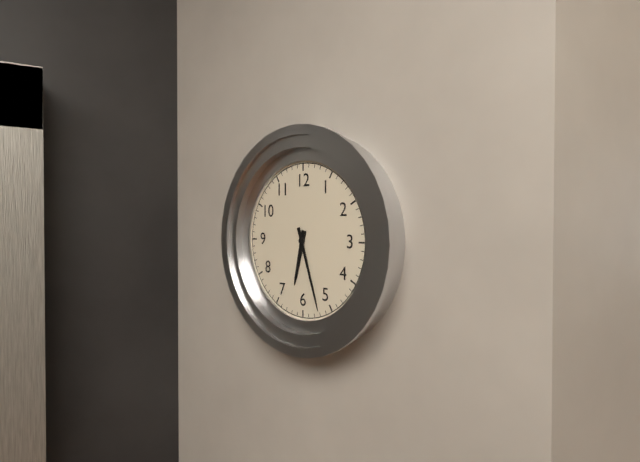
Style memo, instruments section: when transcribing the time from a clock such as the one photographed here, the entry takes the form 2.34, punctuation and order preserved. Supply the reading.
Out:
6.27
